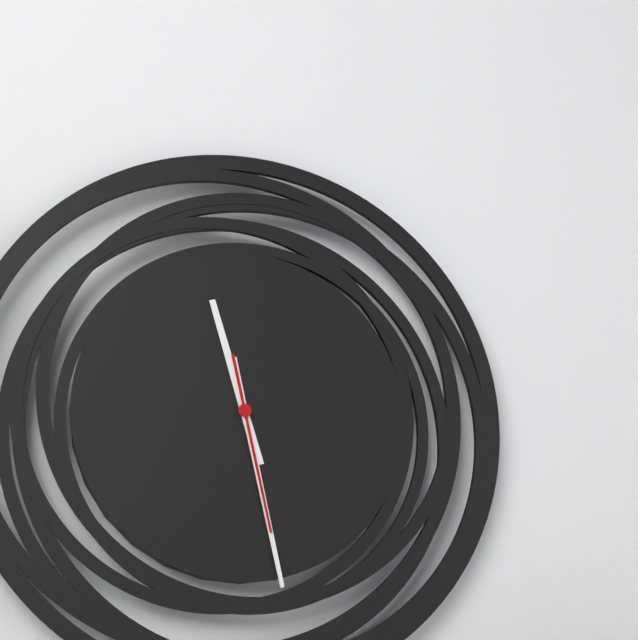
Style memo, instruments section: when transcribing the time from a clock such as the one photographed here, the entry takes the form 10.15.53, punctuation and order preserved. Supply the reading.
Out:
11.28.28
